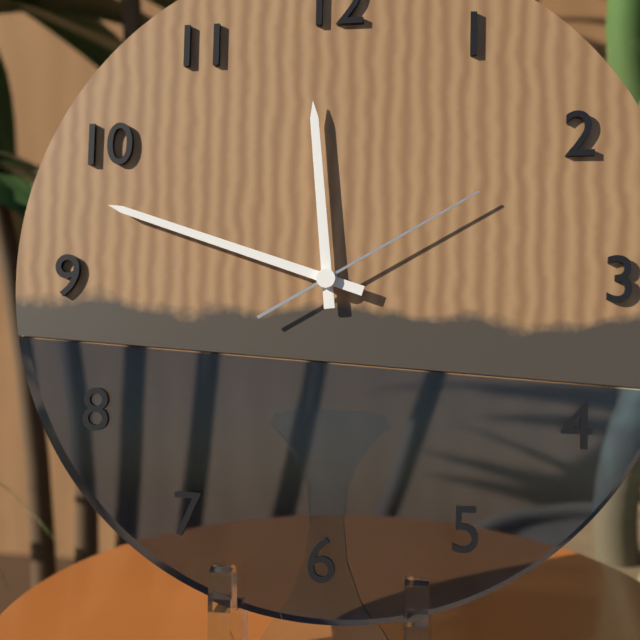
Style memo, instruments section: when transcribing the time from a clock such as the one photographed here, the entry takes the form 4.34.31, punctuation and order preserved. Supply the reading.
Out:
11.48.10
